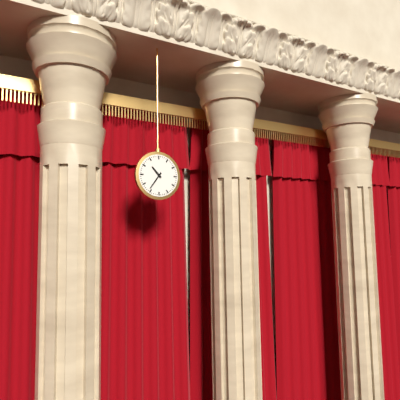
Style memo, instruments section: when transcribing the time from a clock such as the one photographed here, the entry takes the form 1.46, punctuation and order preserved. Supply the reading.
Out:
10.36
